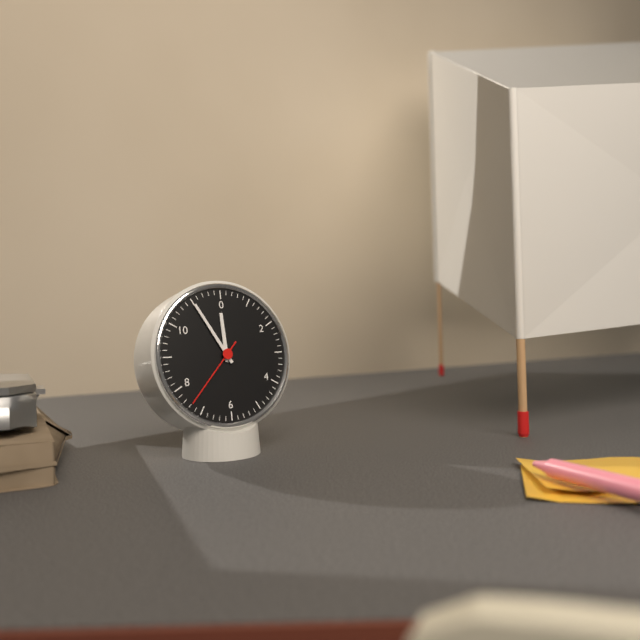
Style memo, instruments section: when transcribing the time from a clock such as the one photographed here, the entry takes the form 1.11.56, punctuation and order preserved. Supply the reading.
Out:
11.55.37
